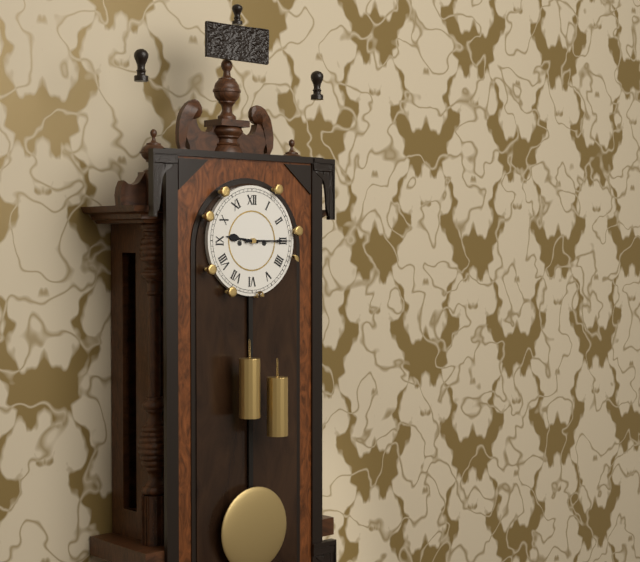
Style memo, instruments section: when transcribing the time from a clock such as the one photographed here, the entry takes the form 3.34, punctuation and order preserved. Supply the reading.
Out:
9.15
